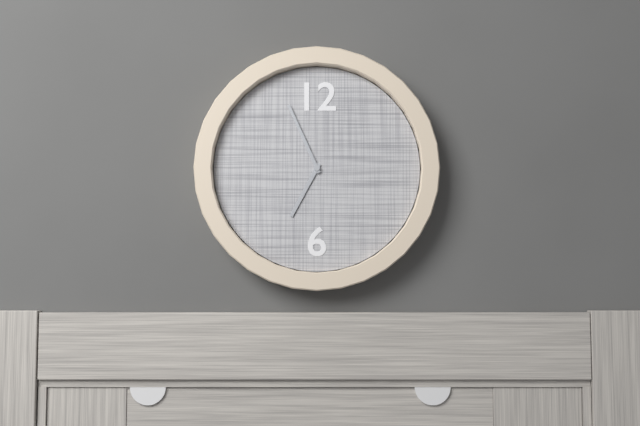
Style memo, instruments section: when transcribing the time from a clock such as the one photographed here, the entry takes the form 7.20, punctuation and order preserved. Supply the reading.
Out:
6.56
